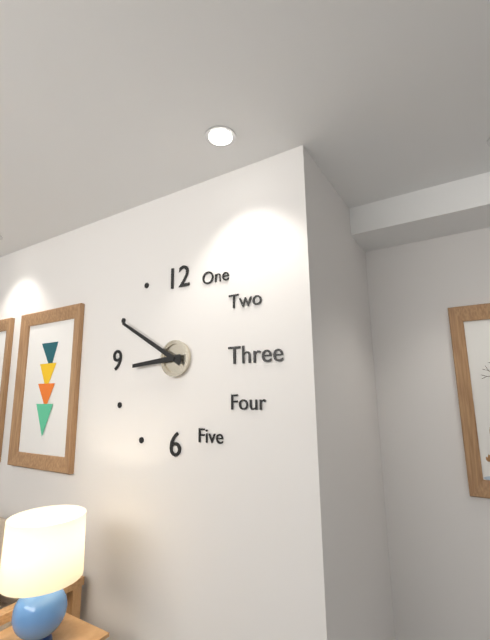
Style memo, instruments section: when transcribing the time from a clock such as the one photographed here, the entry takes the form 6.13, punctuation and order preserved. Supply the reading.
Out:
8.50
